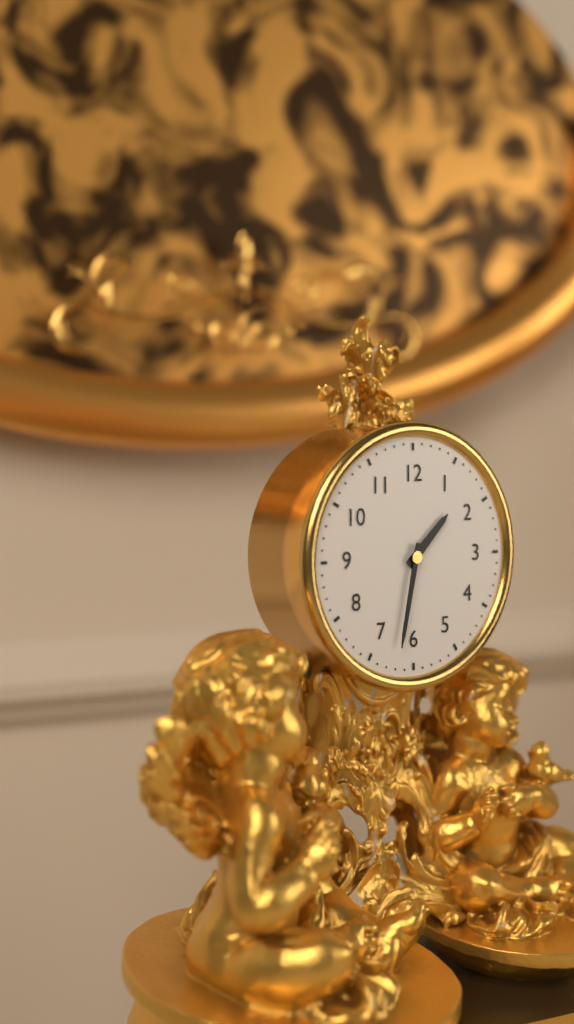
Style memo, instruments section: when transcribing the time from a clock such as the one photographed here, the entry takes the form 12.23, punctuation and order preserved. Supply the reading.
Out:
1.32
